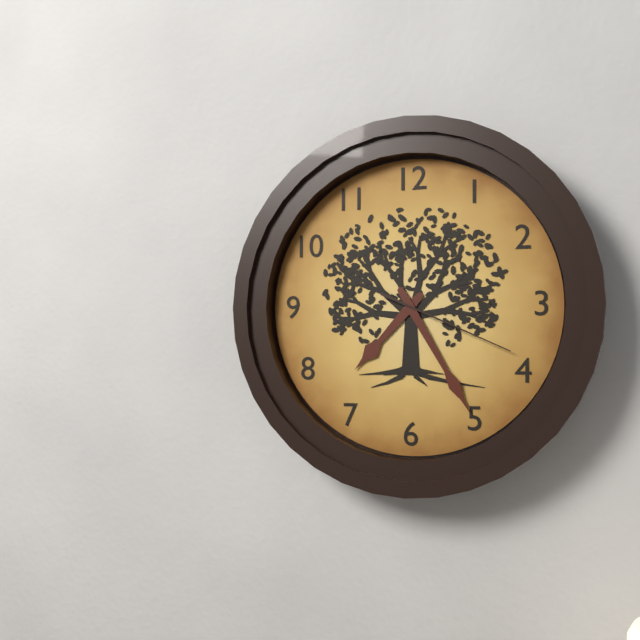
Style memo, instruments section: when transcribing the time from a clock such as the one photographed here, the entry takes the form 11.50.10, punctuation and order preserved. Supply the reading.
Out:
7.25.19
